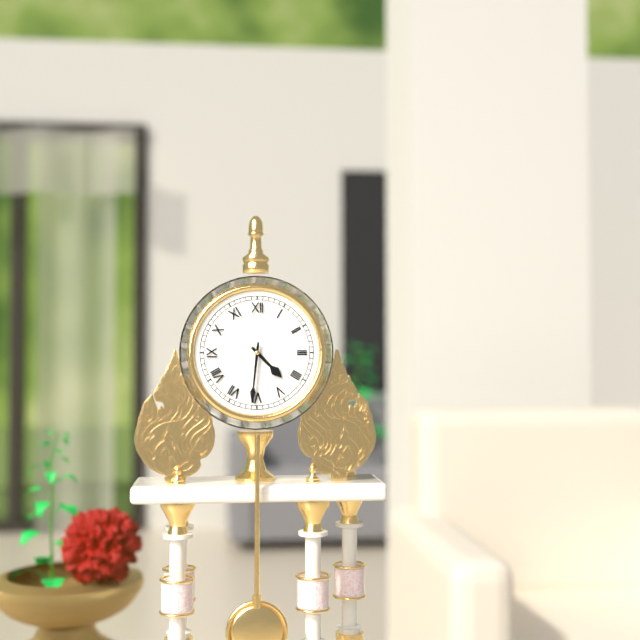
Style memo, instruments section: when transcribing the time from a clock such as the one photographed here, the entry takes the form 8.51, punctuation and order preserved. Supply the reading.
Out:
4.31
